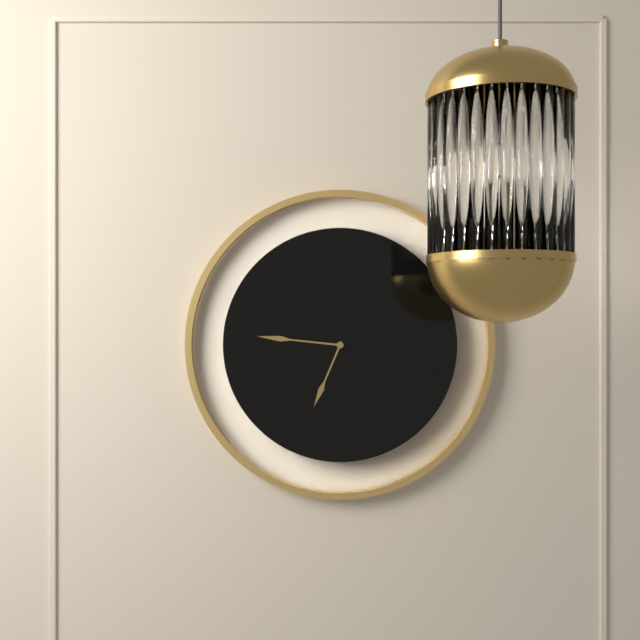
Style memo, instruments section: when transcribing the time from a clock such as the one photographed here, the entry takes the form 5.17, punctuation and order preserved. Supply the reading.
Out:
6.46
